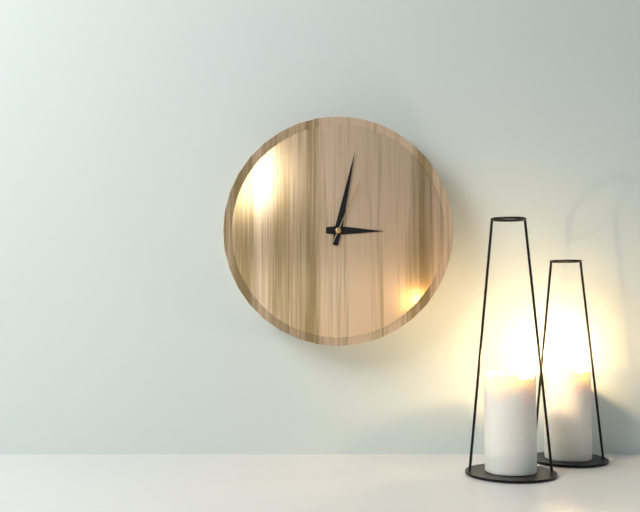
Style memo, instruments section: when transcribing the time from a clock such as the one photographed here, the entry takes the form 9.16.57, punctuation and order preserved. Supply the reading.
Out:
3.02.04
